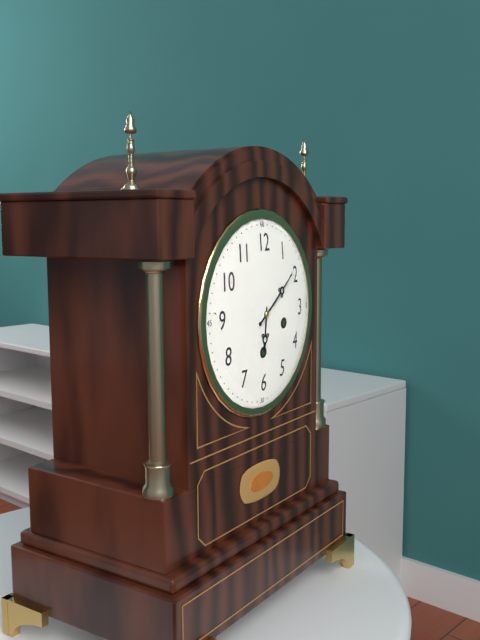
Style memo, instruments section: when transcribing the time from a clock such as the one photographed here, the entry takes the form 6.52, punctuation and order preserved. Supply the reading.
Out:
6.09
